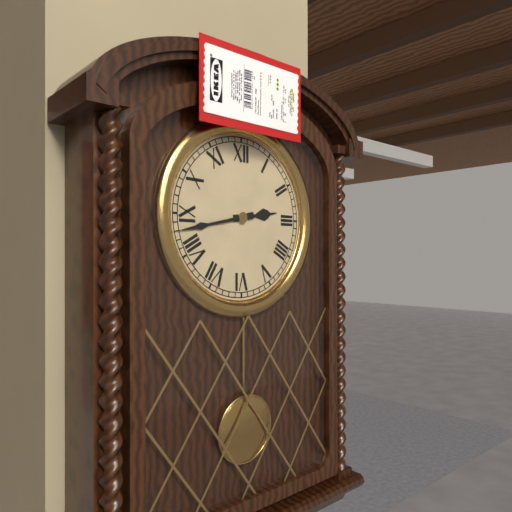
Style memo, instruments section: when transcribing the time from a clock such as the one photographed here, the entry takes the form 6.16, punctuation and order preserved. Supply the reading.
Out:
2.43
